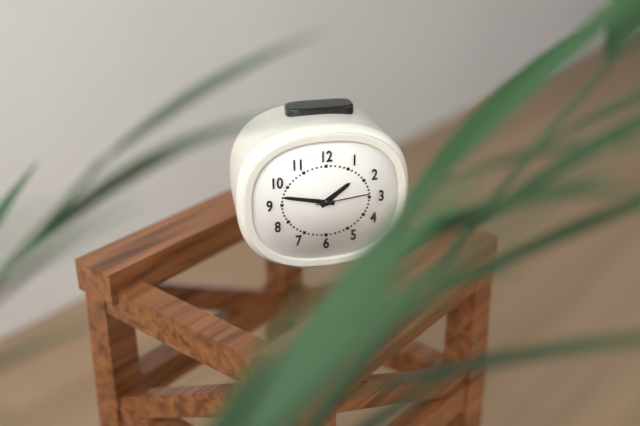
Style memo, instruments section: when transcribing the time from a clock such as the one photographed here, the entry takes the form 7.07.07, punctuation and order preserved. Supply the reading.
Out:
1.47.14
